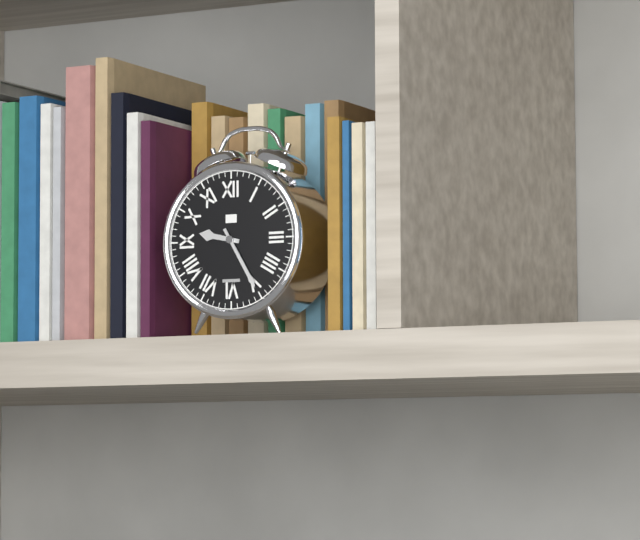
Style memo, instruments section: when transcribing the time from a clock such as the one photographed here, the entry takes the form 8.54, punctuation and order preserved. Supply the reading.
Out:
9.25
